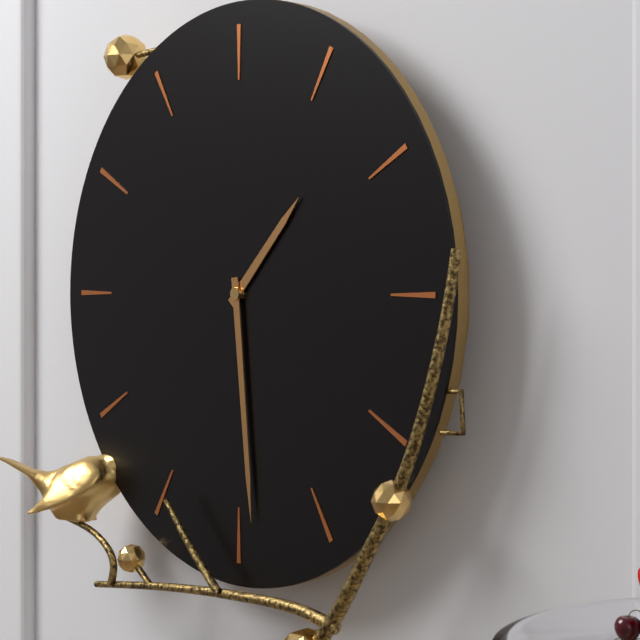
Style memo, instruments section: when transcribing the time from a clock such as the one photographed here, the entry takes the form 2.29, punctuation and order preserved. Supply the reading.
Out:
1.29
